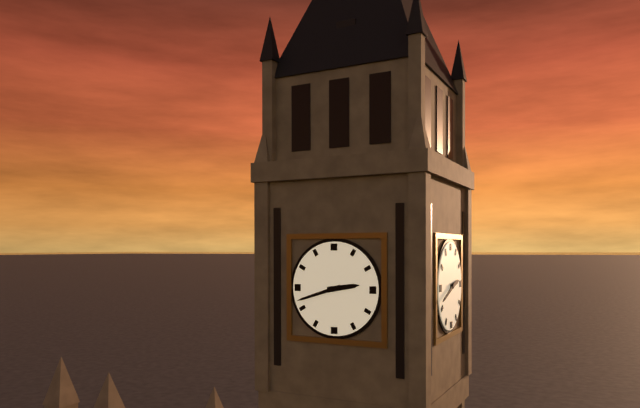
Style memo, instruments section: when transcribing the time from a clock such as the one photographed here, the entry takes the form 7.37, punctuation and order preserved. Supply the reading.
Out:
2.42
